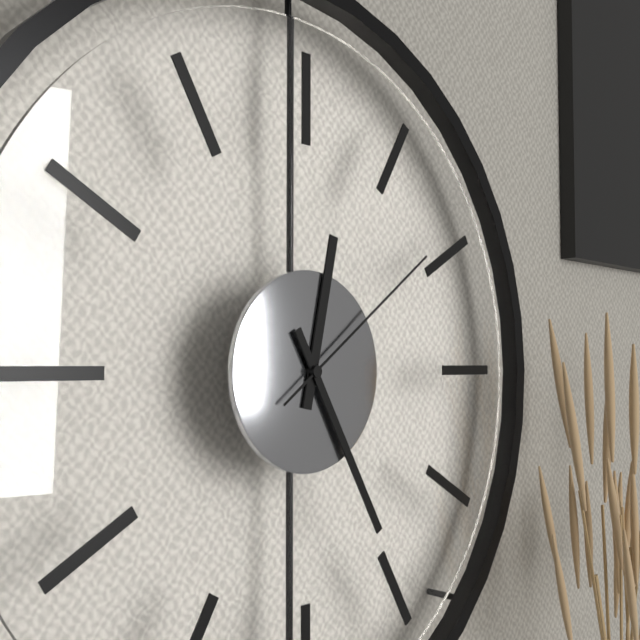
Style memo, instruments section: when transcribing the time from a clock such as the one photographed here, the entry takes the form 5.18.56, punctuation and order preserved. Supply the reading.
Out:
12.25.09
